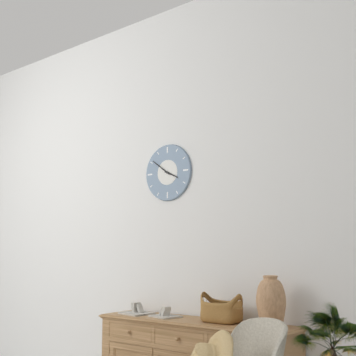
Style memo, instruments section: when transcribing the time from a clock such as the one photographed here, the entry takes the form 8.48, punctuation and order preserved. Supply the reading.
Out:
3.51
